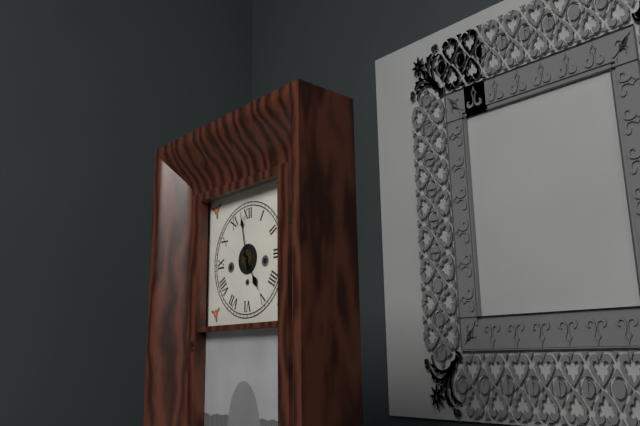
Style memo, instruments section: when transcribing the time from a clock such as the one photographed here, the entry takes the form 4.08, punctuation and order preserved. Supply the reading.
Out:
4.58
